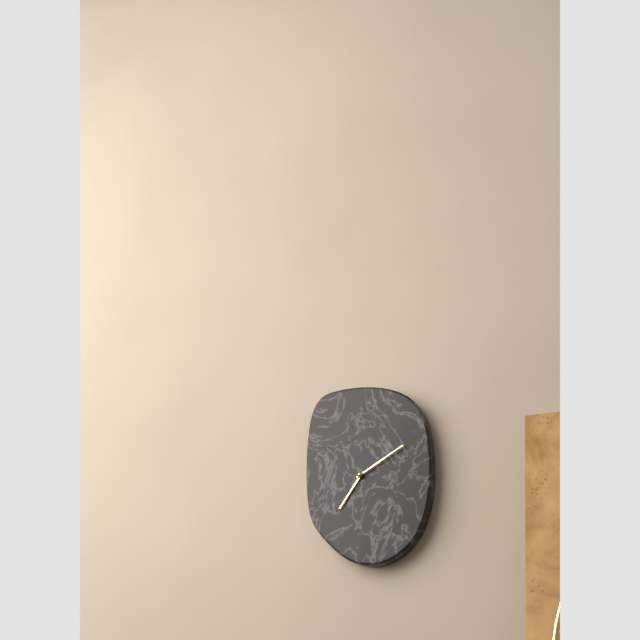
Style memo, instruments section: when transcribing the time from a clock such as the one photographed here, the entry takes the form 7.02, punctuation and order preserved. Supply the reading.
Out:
7.10
